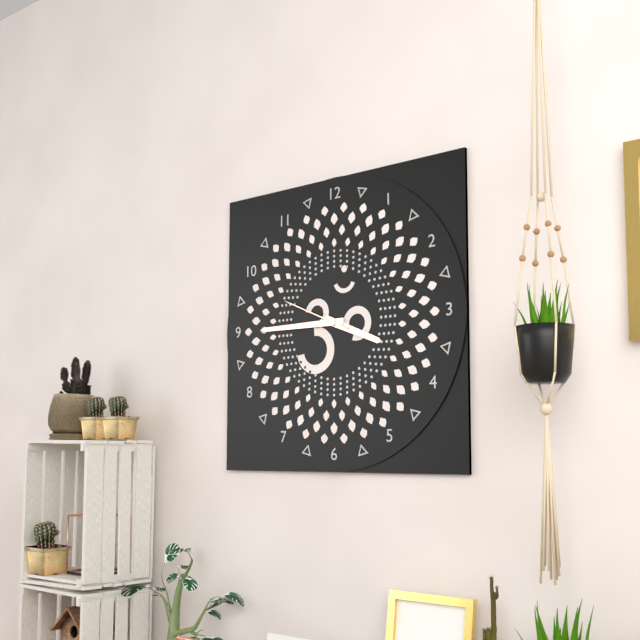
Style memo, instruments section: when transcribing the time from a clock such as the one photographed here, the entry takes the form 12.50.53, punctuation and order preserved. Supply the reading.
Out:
3.45.49
